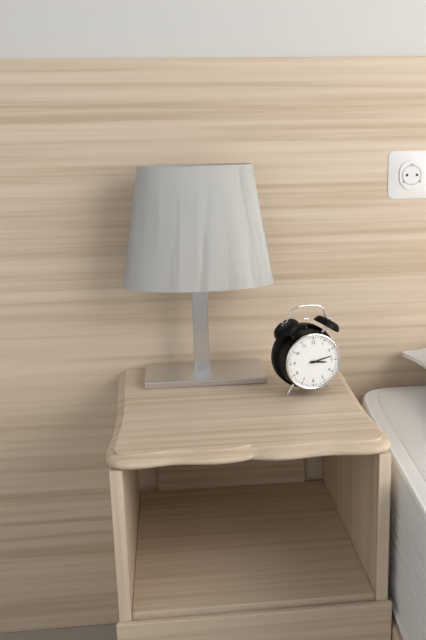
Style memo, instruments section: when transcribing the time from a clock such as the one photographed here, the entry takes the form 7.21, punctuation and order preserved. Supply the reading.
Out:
3.13
